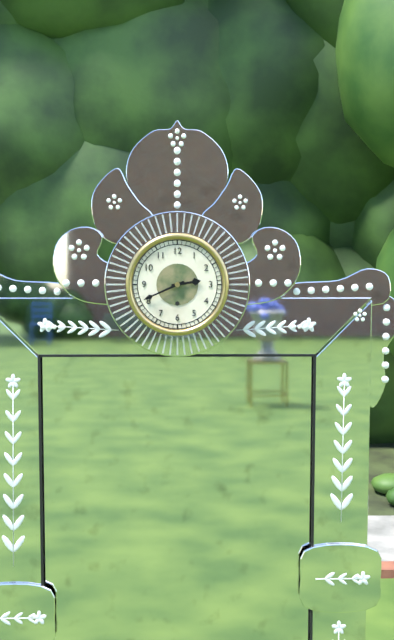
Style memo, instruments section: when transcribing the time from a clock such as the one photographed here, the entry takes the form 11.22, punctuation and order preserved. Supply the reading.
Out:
2.41
